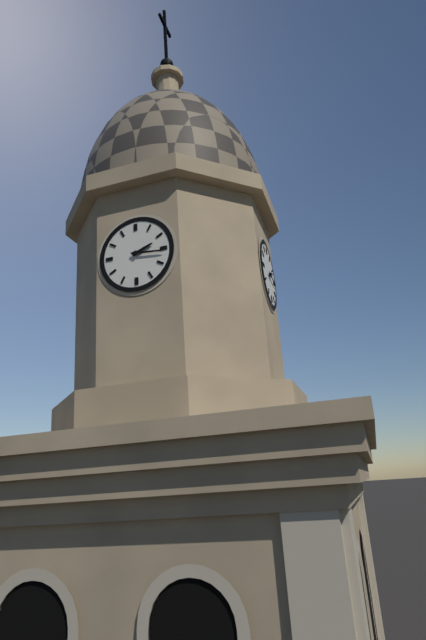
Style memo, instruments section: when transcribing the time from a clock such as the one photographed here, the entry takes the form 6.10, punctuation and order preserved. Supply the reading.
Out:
2.16
